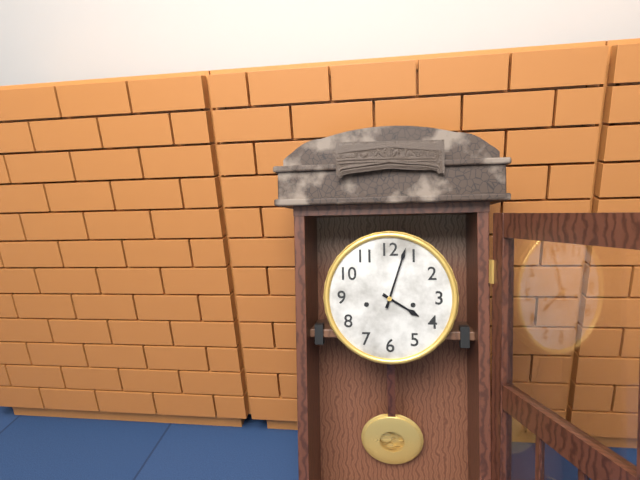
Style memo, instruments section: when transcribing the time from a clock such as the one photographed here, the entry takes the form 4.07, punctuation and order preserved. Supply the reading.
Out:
4.03
